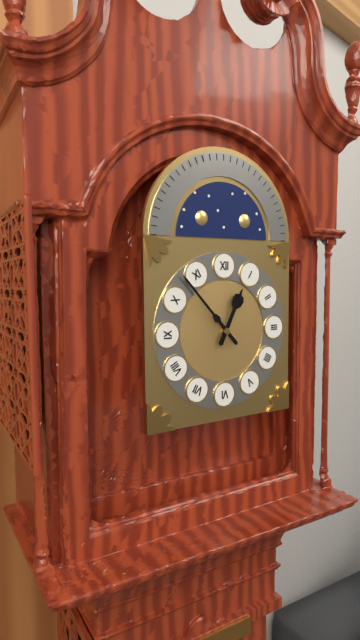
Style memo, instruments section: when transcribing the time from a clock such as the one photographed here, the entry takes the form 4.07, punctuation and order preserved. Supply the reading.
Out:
12.53
